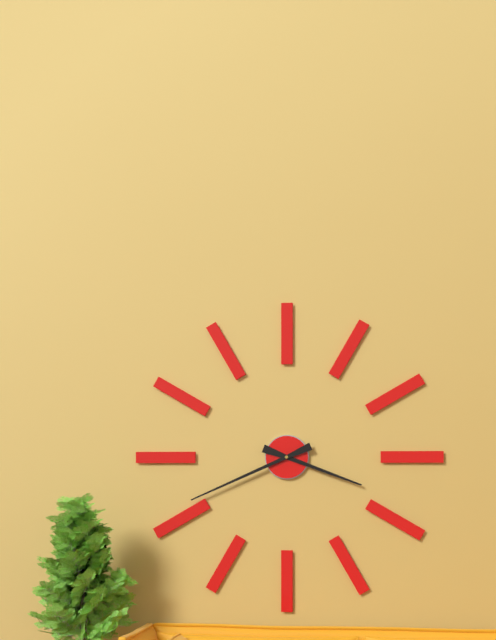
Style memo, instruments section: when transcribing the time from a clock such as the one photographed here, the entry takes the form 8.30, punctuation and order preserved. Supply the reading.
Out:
3.41
